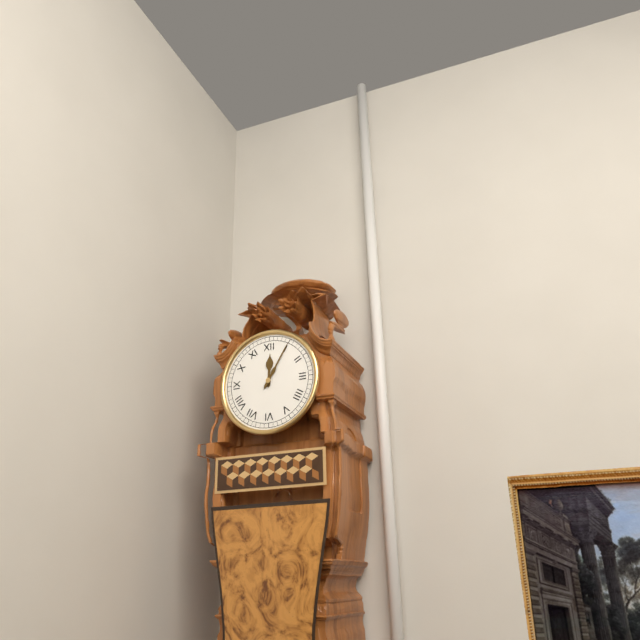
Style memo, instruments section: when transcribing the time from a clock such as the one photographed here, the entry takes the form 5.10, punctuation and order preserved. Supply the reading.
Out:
12.05
